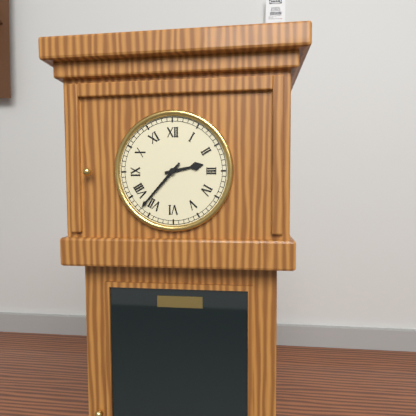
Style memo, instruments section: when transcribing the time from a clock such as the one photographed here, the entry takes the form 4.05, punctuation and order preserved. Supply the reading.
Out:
2.37
